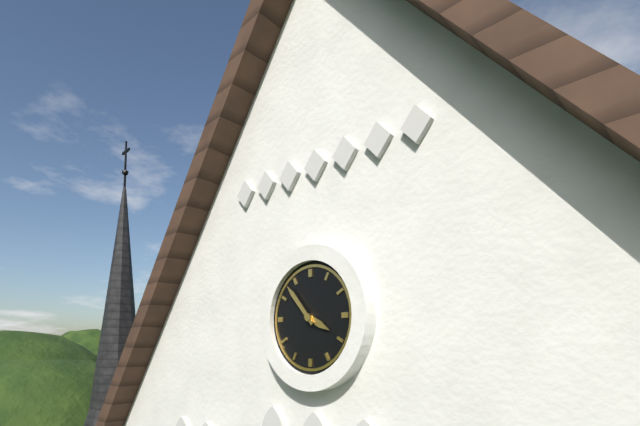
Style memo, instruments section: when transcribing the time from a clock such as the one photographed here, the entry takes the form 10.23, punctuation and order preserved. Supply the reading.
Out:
3.53
